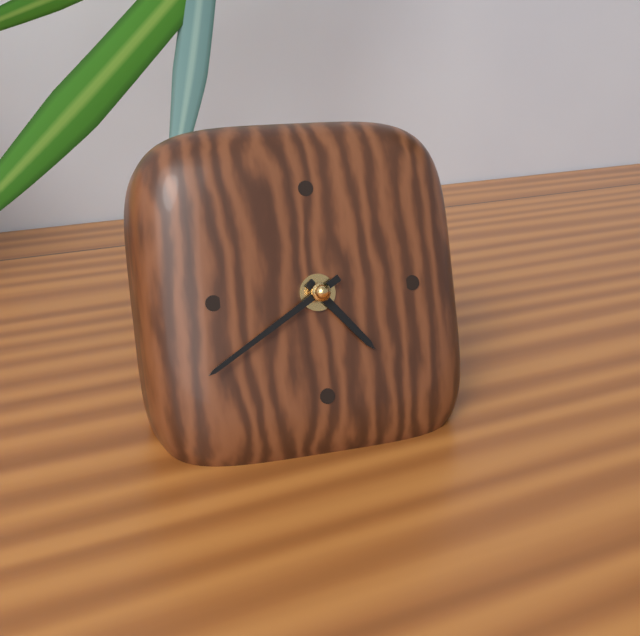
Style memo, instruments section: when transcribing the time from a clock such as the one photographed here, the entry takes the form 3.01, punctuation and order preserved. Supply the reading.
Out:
4.40
